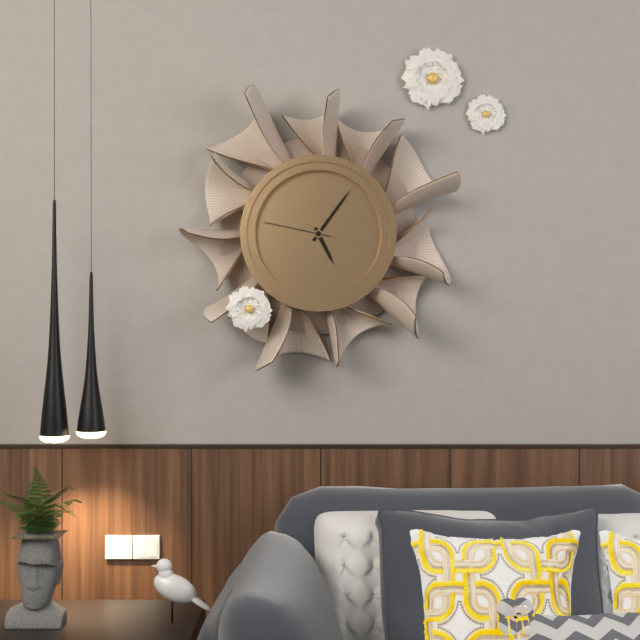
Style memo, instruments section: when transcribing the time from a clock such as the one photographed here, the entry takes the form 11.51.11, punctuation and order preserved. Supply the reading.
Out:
5.06.47
